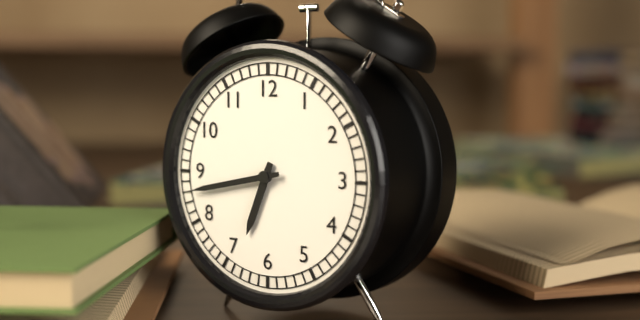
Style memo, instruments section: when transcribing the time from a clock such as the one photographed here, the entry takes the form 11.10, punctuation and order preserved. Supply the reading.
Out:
6.43
